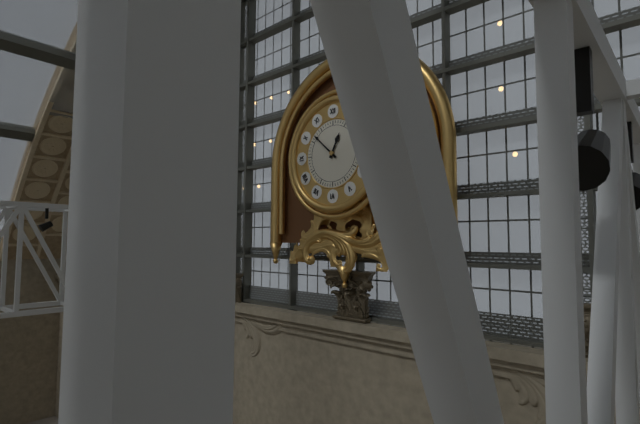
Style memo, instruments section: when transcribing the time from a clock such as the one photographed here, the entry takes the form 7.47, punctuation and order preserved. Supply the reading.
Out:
12.52
